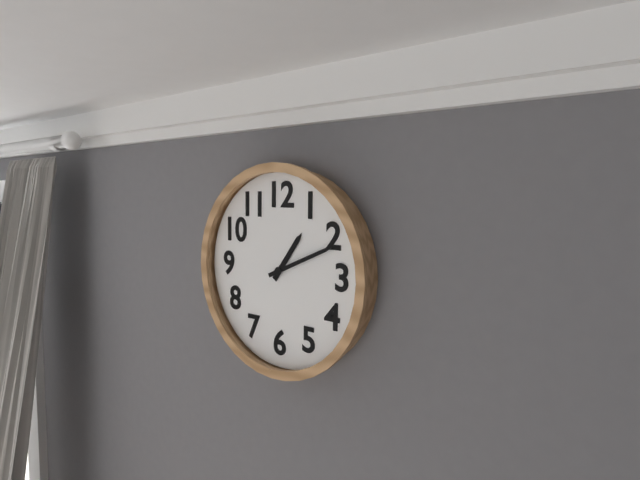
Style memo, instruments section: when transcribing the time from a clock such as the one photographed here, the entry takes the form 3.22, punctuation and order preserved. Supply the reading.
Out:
1.11
